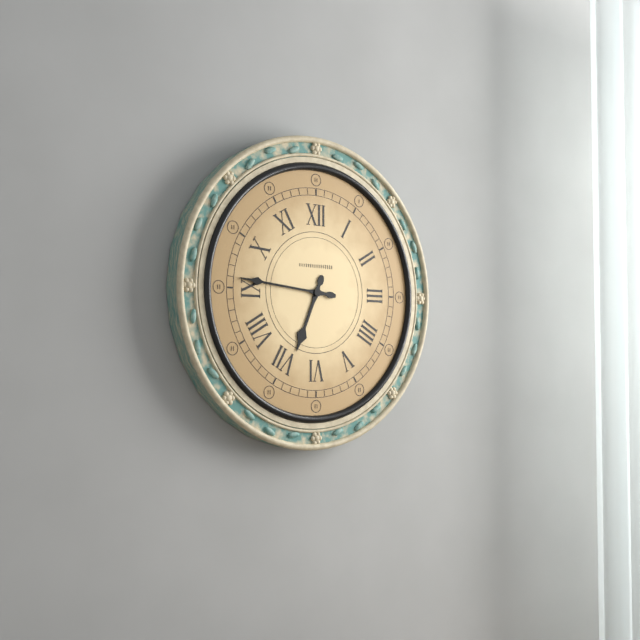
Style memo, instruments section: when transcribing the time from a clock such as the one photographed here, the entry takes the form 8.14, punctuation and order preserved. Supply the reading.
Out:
6.46
